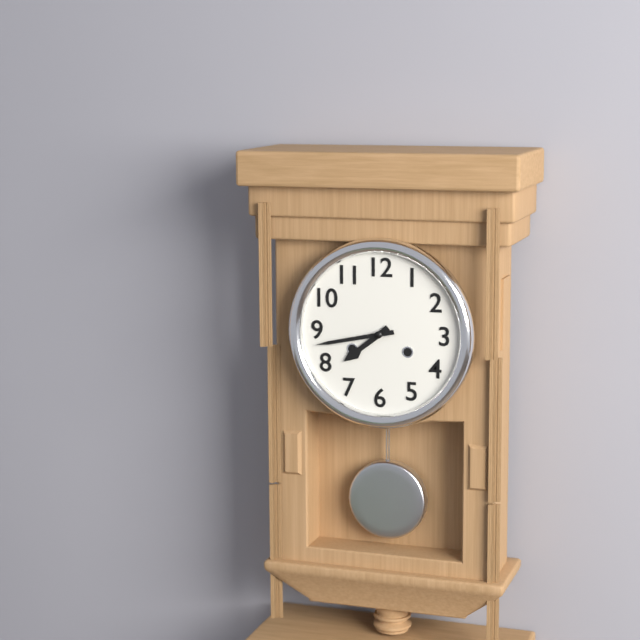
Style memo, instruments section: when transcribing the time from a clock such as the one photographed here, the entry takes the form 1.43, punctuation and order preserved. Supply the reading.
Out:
7.43
